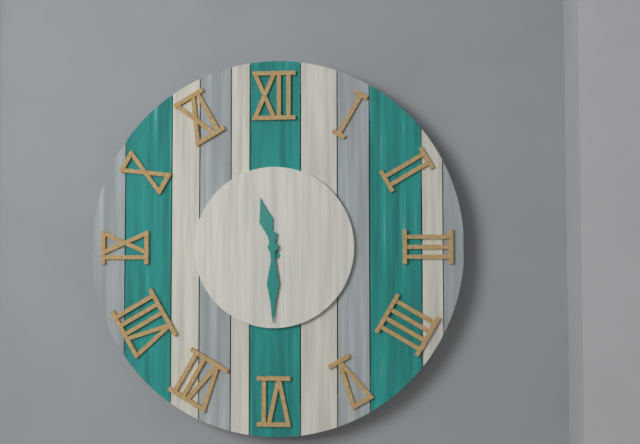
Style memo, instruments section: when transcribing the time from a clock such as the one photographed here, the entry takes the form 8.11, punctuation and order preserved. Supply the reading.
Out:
11.30
